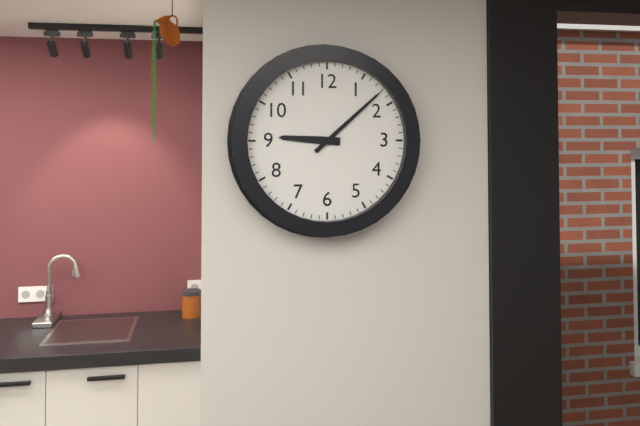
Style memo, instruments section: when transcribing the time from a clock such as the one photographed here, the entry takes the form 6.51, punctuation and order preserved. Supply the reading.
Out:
9.08
